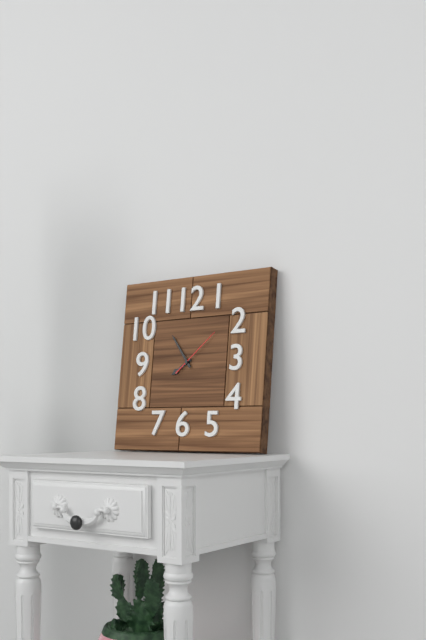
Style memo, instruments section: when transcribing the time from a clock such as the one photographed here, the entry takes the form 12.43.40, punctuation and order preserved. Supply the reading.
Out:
7.54.08
